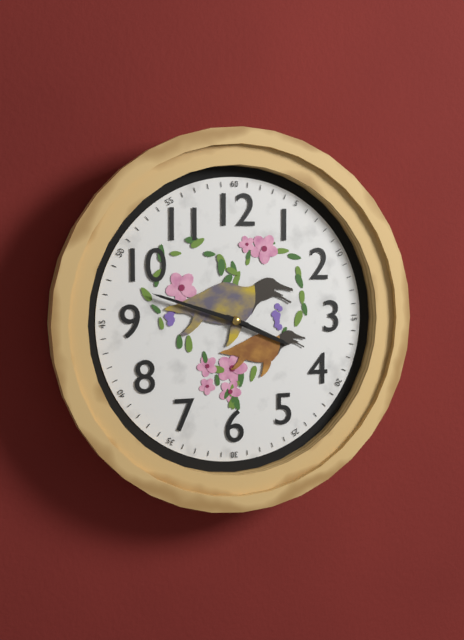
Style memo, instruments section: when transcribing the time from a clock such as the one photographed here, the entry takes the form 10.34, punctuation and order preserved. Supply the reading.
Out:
3.48
